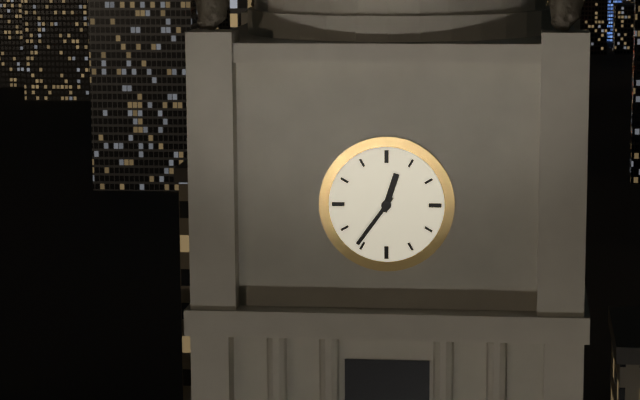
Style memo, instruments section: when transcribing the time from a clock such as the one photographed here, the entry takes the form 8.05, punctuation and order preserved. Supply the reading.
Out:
12.36
